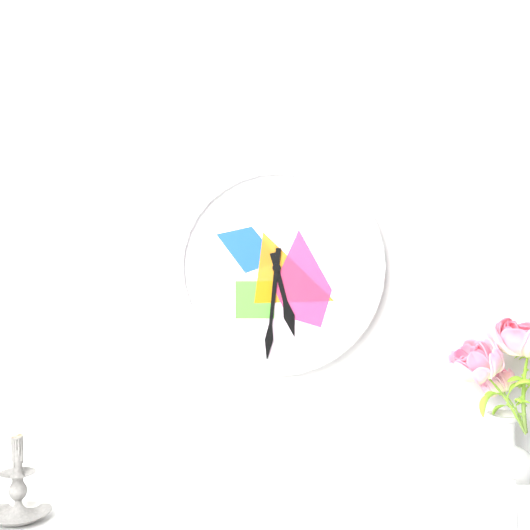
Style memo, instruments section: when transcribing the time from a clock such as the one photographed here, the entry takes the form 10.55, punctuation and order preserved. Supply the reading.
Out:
5.31
